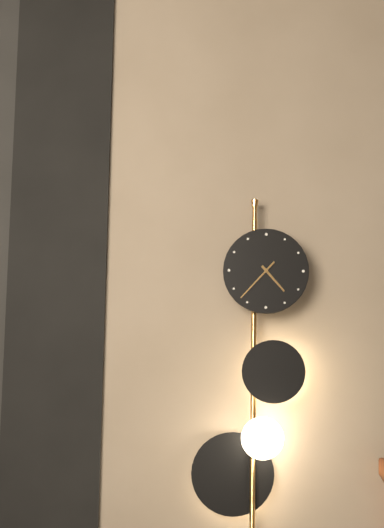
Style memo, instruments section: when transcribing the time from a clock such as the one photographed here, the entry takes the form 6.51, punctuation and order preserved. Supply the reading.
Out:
4.37
